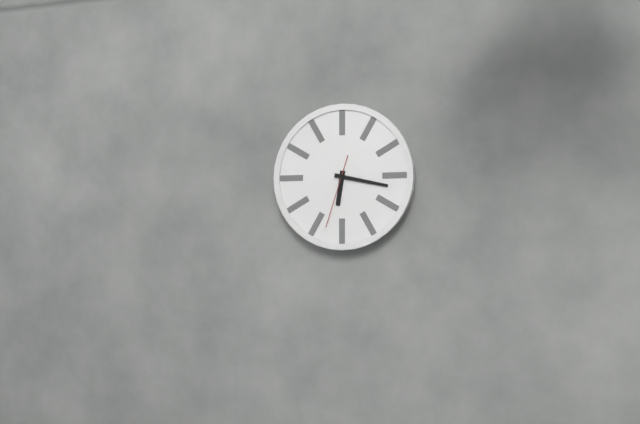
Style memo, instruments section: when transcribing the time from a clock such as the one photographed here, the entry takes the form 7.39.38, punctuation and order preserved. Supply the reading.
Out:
6.17.33
